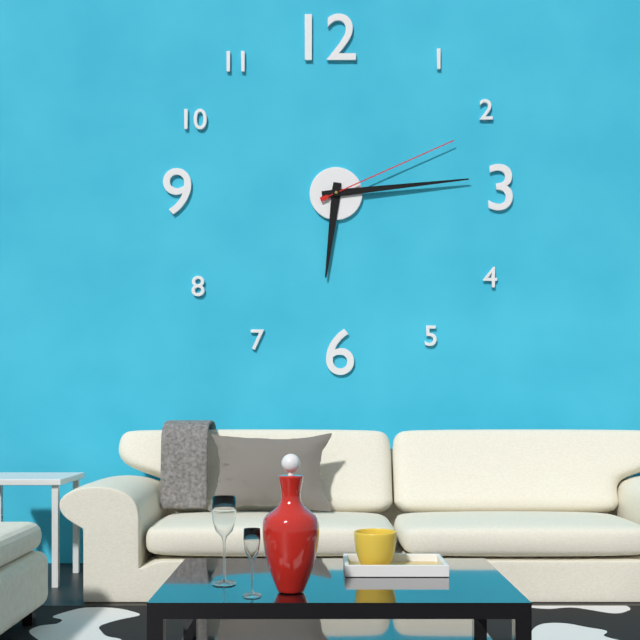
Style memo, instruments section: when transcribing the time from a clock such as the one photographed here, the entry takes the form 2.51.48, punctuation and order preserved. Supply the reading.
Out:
6.14.11
